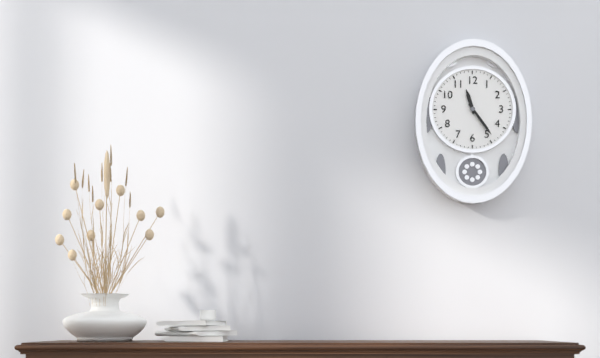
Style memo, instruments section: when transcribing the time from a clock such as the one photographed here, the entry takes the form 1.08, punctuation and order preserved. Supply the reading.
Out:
11.24
